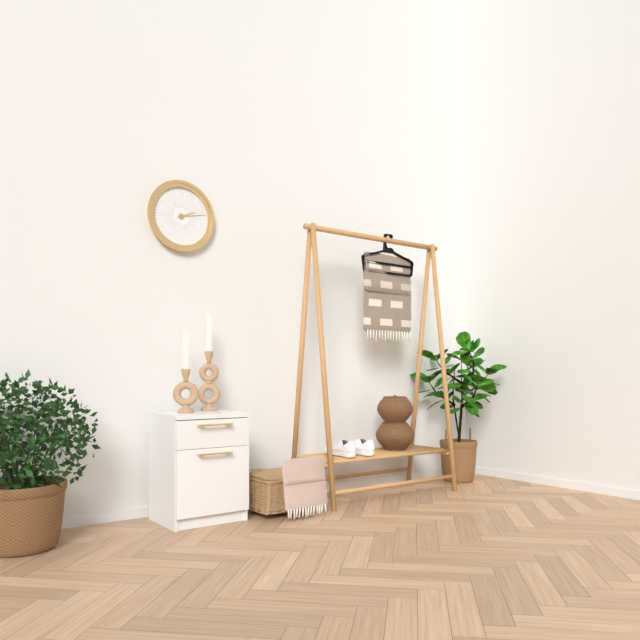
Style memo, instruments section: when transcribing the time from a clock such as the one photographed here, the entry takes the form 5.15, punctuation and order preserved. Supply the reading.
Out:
2.13
